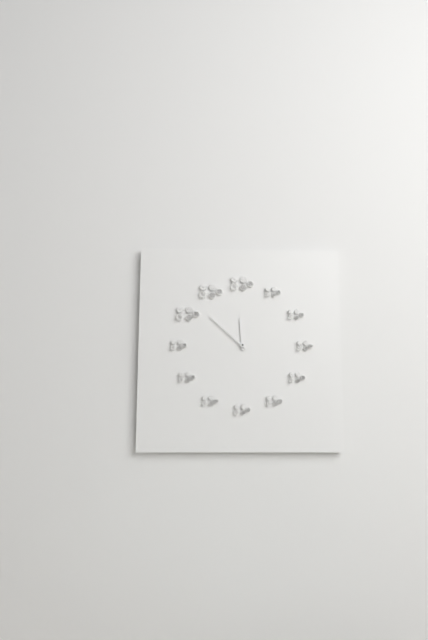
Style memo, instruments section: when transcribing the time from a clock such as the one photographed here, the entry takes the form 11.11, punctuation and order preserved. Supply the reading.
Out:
11.52
